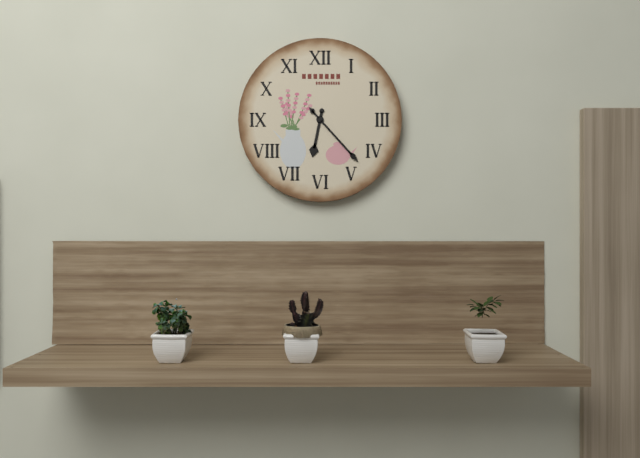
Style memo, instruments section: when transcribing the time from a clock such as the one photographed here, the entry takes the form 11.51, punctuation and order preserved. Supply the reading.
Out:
6.23
